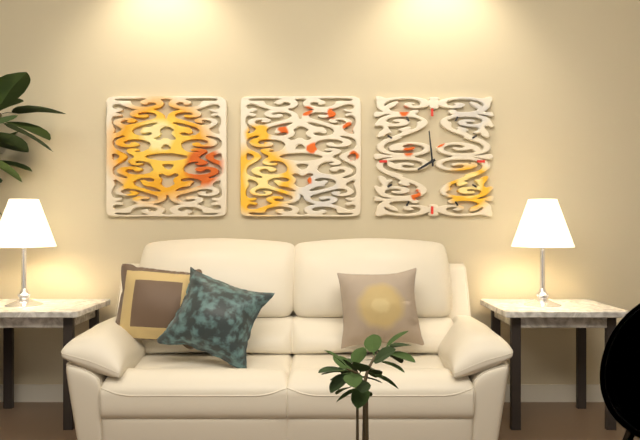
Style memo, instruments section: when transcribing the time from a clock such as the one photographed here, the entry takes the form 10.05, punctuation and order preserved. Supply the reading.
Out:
7.59
